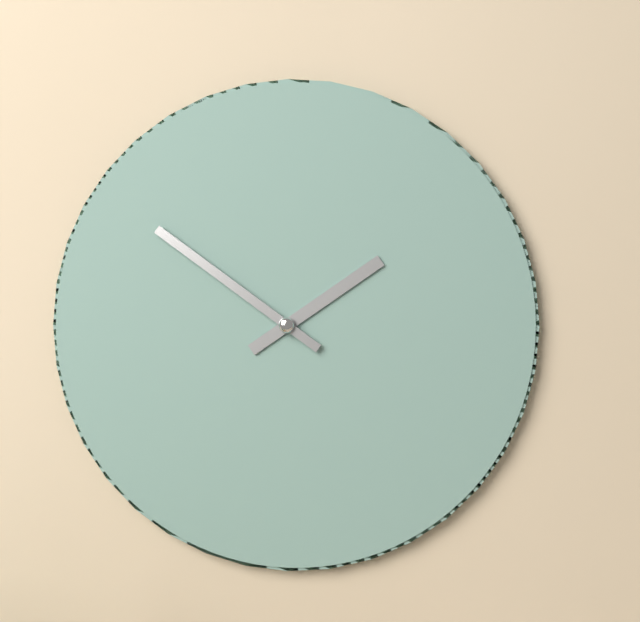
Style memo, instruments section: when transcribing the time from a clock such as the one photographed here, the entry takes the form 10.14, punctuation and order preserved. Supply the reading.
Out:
1.51
